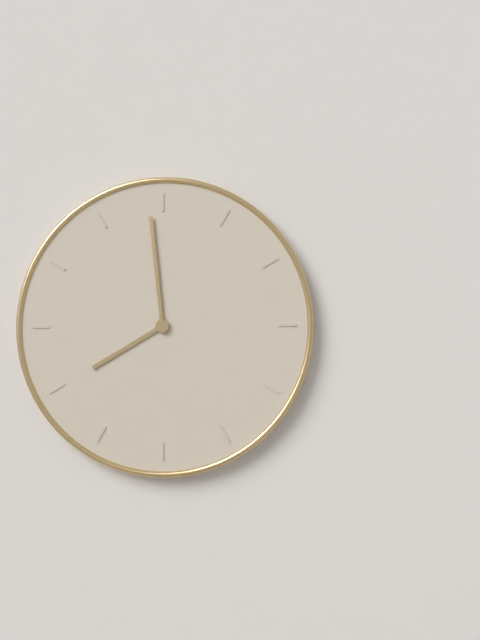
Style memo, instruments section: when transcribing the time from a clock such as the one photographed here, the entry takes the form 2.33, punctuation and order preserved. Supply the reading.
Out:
7.59
